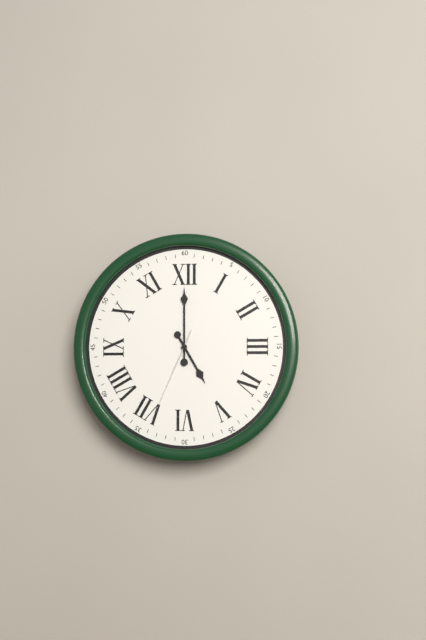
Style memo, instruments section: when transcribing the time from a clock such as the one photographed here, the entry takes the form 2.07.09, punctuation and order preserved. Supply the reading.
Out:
5.00.34
